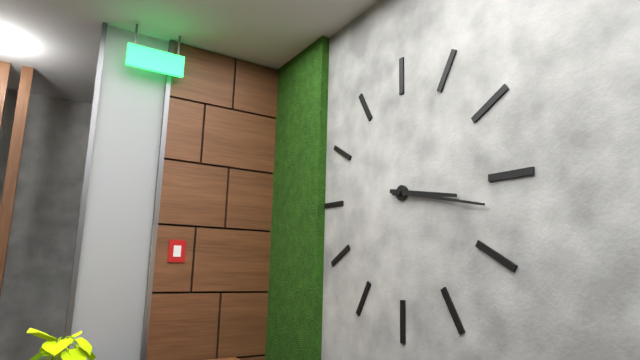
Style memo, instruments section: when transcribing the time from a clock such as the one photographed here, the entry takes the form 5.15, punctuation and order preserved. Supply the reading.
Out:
3.17
